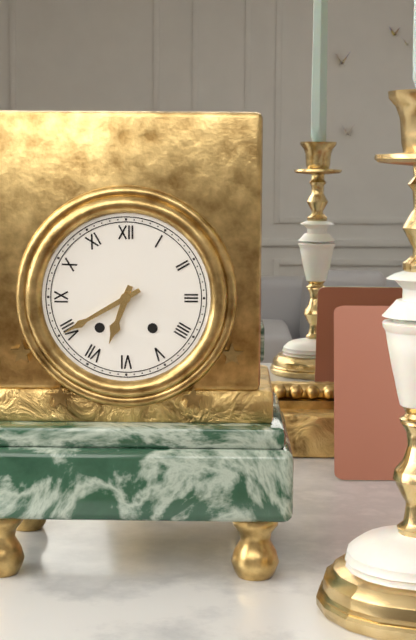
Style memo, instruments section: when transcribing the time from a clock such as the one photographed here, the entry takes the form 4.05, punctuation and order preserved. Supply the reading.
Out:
6.40
